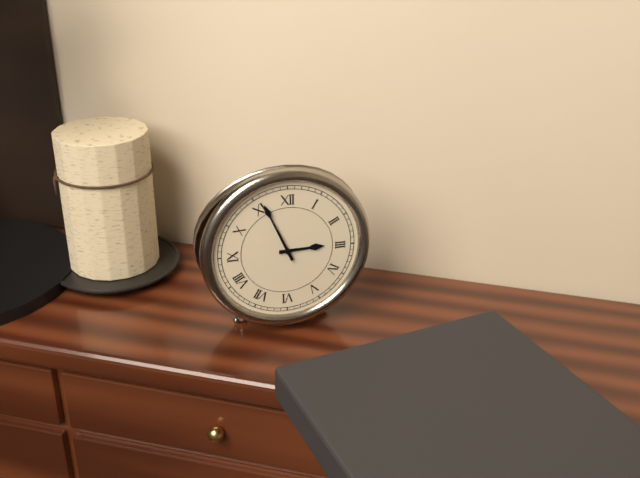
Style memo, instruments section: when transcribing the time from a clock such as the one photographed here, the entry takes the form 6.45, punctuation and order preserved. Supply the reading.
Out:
2.56
